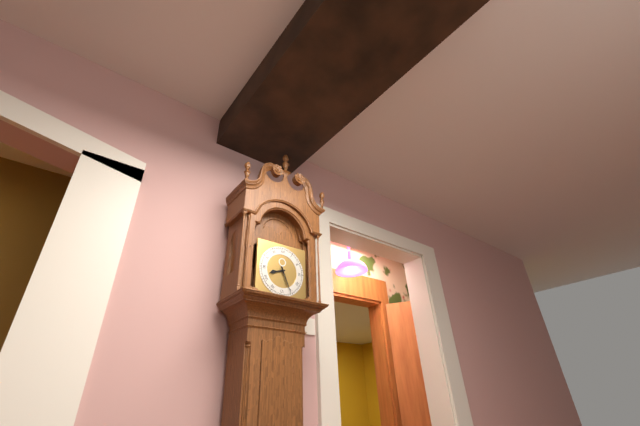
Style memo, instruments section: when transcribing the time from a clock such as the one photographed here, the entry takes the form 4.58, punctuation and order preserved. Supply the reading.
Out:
8.26
